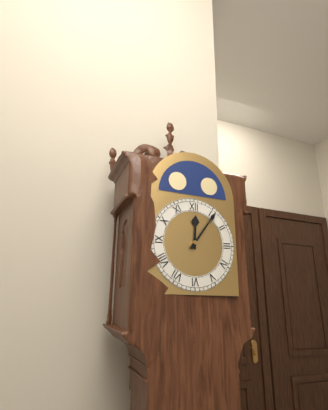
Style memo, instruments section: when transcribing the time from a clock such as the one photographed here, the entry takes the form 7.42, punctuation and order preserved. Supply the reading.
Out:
12.06
